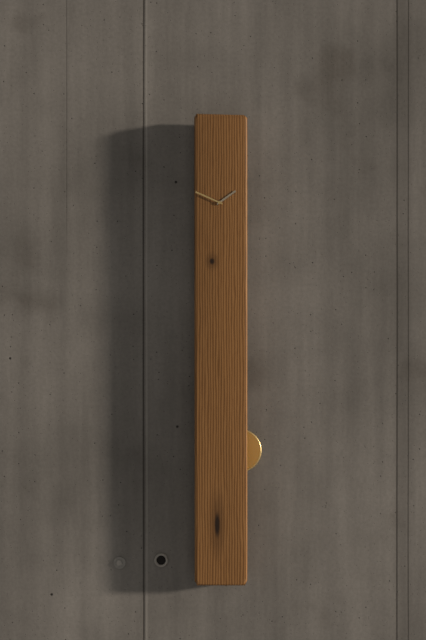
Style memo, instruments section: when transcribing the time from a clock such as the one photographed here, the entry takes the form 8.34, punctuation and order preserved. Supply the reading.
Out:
1.49
